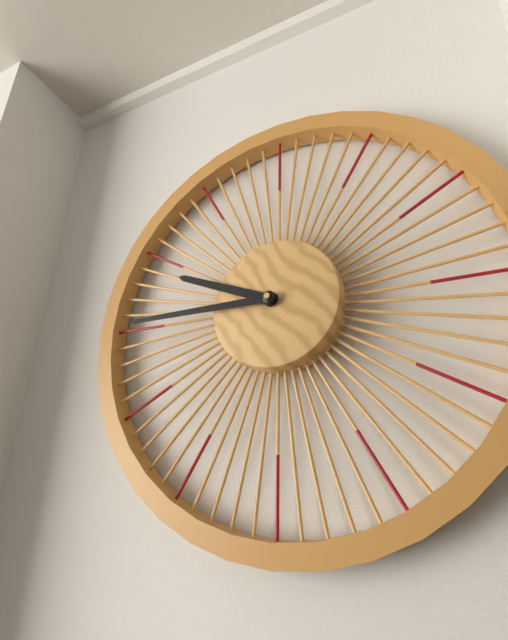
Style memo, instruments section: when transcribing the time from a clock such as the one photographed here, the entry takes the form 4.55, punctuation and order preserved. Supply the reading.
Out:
9.45
